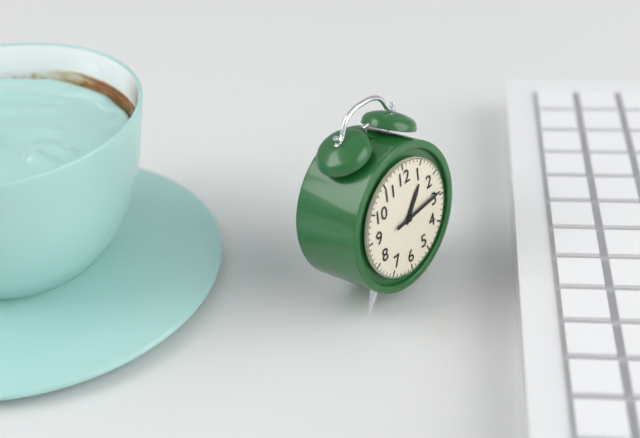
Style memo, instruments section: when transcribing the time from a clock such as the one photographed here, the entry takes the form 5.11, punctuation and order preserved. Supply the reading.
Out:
1.14
